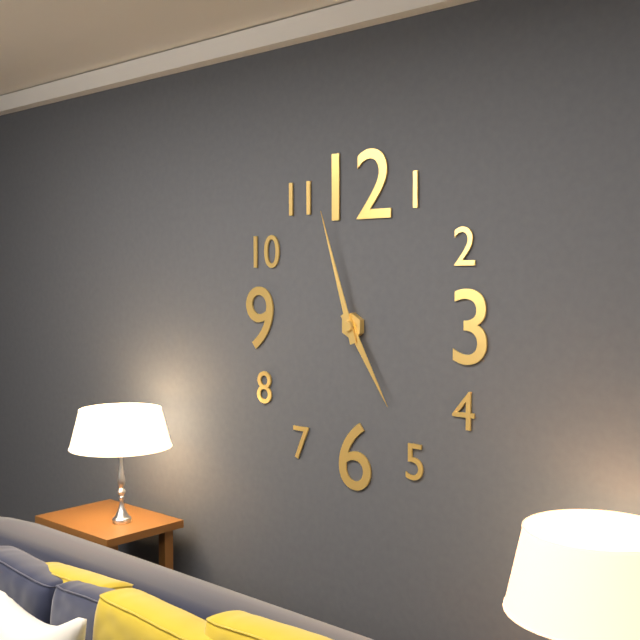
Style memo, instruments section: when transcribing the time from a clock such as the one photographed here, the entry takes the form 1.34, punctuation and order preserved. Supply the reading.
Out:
4.57
